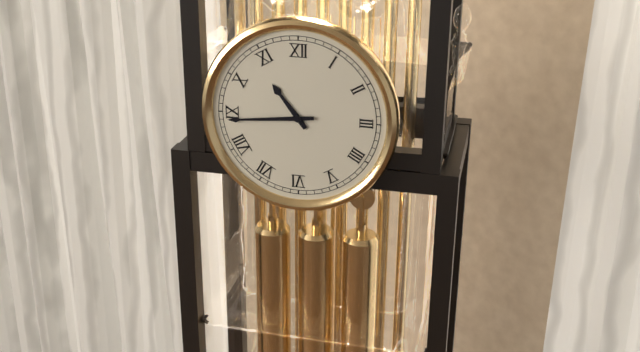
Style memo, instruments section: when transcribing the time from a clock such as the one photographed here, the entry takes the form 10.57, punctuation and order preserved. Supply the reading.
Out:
10.44
